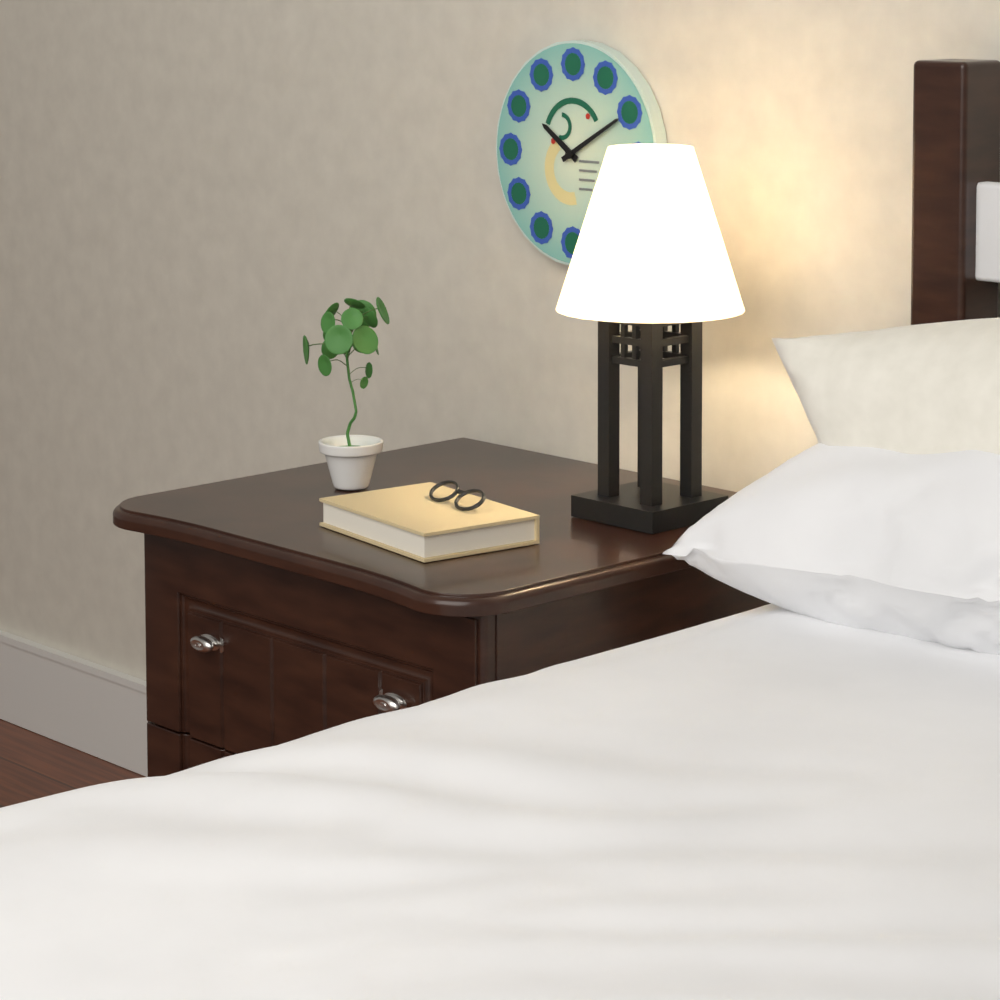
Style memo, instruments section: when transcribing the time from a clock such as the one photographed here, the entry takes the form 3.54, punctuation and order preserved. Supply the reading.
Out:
10.10
